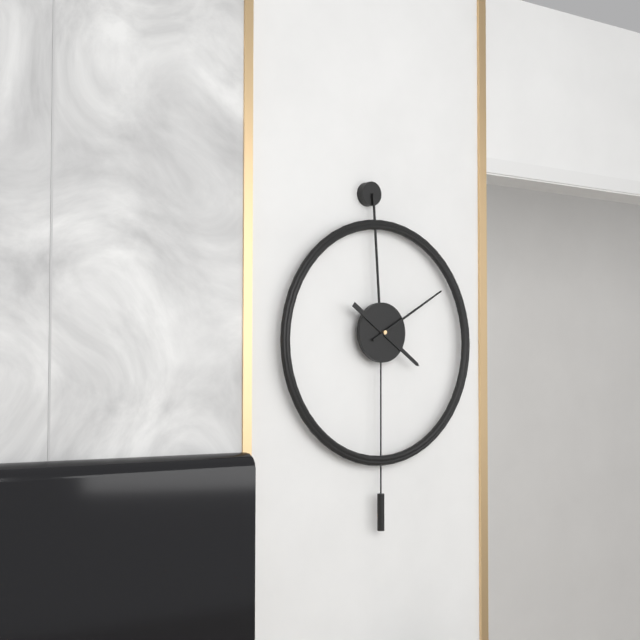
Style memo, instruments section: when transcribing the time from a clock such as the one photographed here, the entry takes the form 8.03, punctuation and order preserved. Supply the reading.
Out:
4.10
